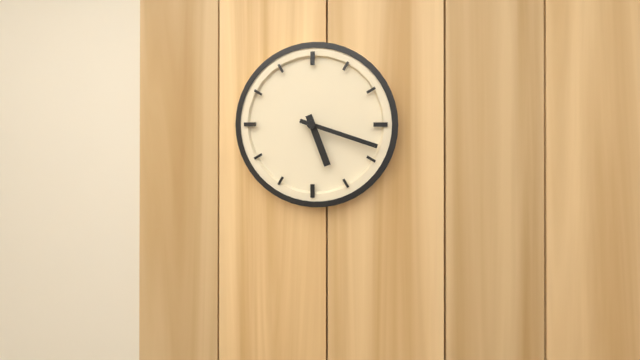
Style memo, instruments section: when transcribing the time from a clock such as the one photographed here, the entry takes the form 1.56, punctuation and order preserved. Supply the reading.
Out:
5.18
